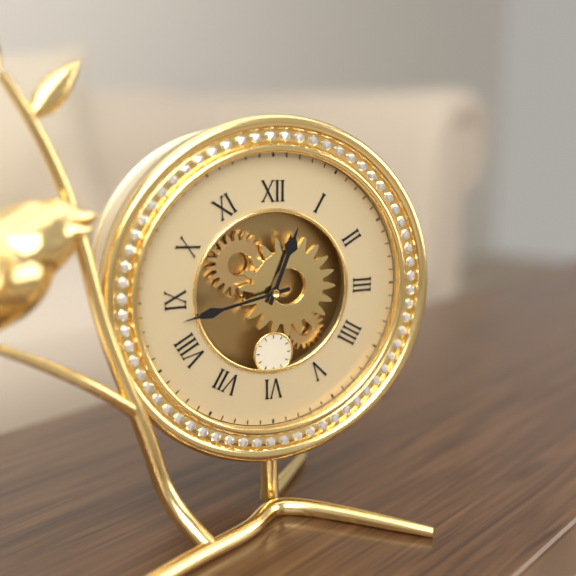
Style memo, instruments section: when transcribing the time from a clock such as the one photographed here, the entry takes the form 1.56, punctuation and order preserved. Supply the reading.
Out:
12.43
